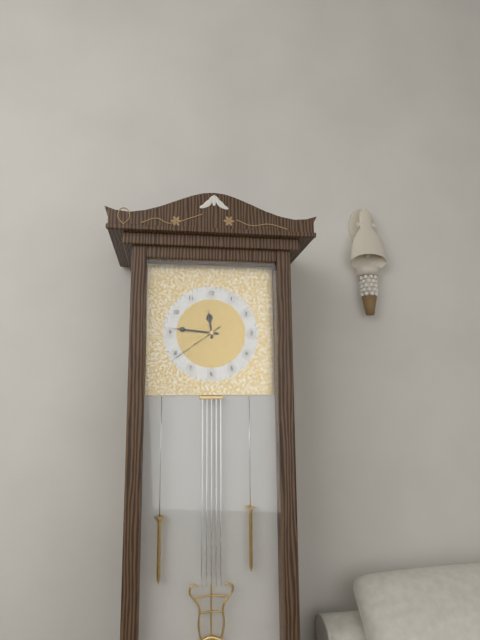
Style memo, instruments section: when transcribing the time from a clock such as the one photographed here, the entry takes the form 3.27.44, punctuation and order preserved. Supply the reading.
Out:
11.46.39
